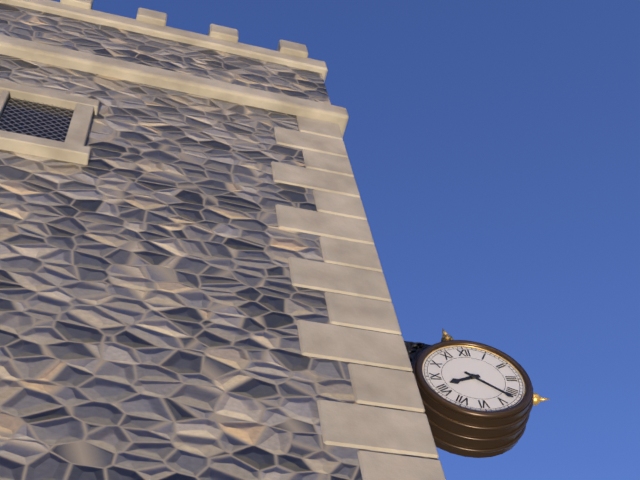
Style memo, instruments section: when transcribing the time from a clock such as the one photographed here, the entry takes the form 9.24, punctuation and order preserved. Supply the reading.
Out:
8.22
